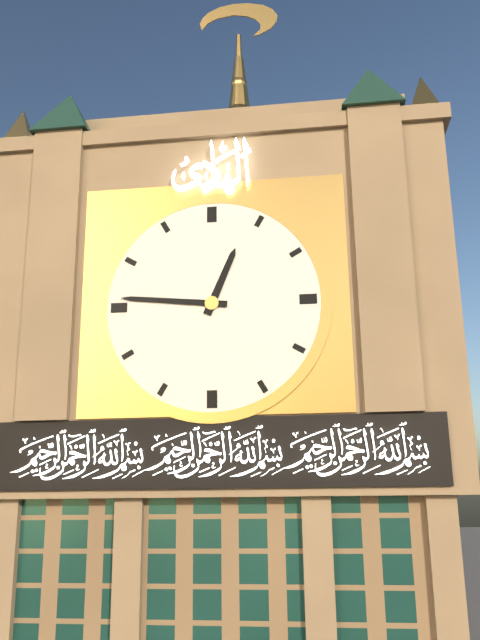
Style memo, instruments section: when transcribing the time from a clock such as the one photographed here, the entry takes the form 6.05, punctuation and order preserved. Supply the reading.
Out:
12.46
